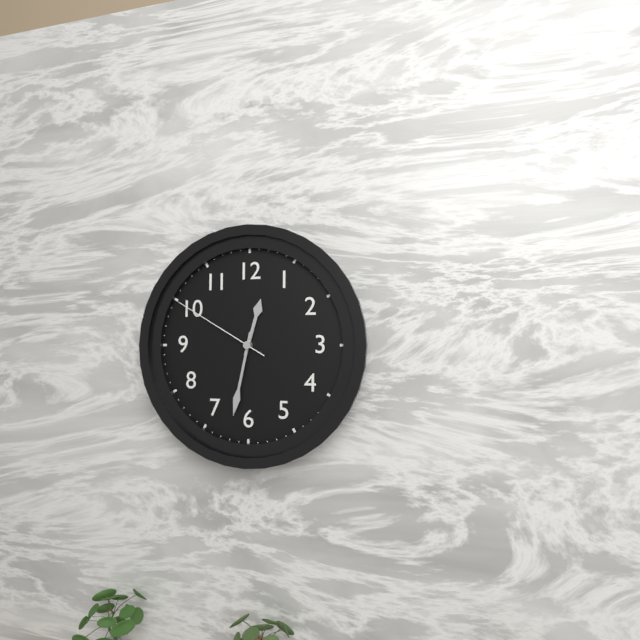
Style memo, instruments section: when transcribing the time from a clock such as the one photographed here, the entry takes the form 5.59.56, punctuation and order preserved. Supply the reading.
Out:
12.32.50
